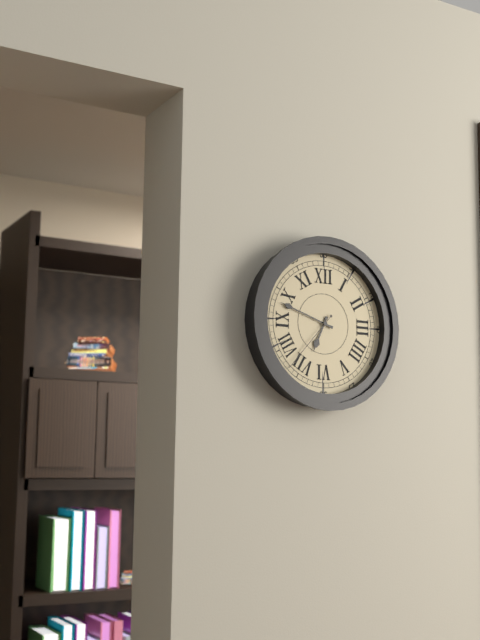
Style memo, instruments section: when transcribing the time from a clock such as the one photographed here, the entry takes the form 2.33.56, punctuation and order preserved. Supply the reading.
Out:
6.48.37
